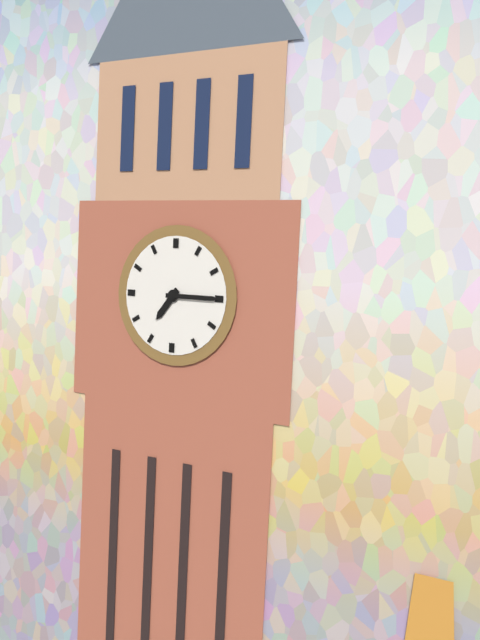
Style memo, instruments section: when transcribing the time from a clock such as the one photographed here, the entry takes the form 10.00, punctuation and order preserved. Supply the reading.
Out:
7.15
